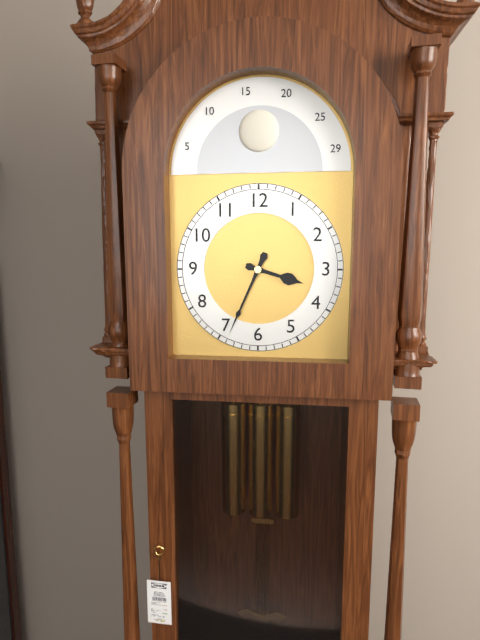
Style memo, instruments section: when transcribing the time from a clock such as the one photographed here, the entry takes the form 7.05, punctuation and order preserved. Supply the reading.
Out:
3.34
